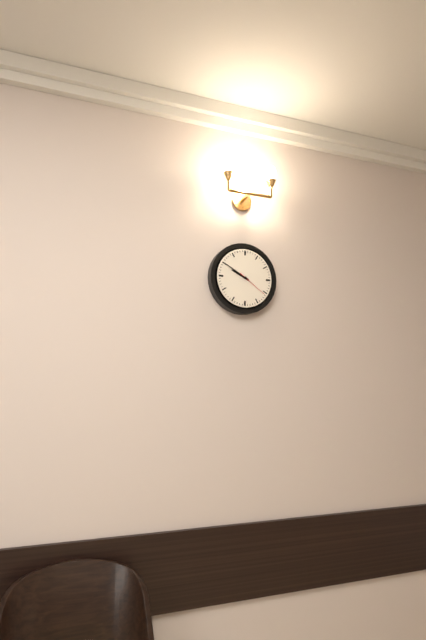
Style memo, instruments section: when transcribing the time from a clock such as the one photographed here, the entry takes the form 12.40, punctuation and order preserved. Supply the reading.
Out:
9.50
